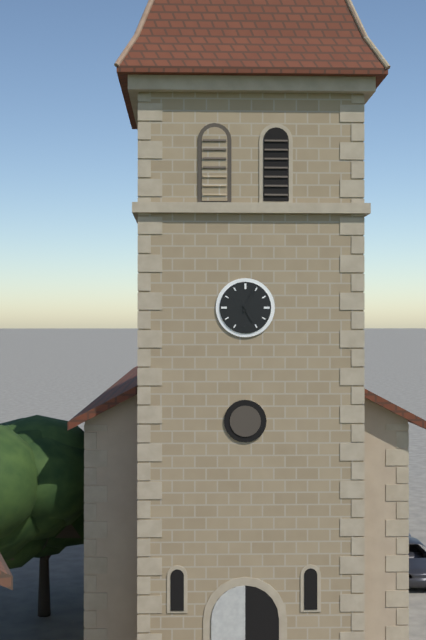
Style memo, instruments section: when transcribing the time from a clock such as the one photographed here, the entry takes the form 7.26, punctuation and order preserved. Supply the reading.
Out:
5.04
